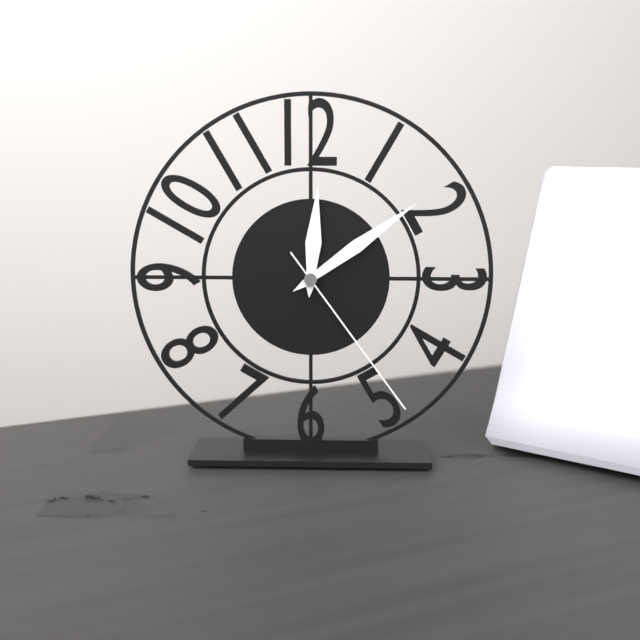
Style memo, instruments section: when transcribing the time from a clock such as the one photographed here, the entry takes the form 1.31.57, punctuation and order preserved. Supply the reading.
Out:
12.09.24
